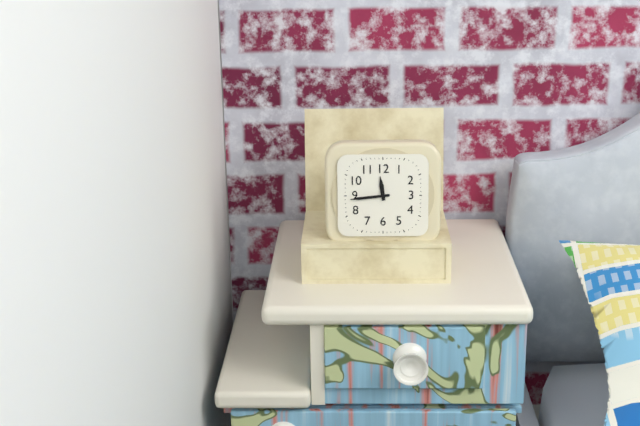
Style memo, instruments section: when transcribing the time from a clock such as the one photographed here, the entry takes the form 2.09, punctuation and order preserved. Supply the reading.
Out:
11.44
